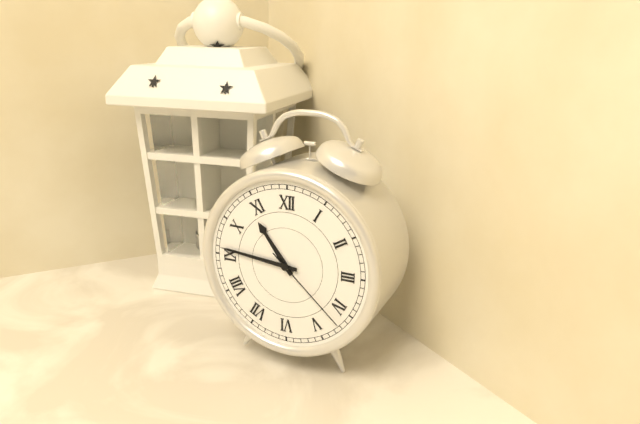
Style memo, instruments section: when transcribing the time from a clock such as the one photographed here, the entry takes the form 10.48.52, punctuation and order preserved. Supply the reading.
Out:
10.46.22
